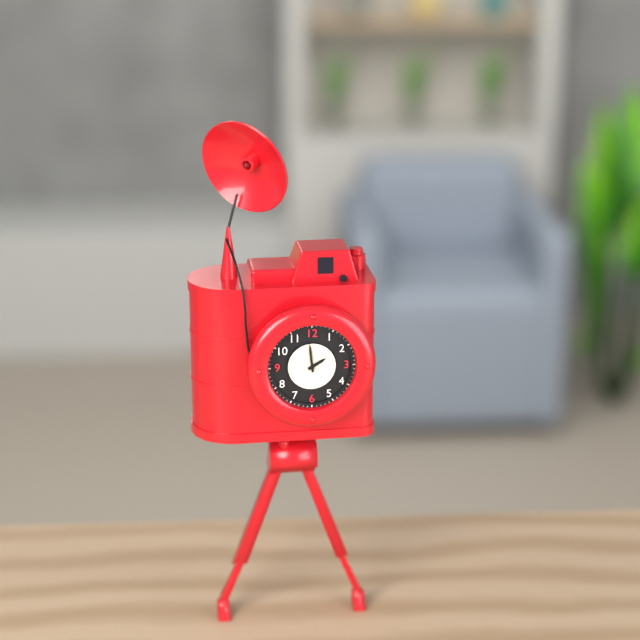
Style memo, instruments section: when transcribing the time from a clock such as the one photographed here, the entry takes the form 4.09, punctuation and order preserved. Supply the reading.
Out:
1.59
